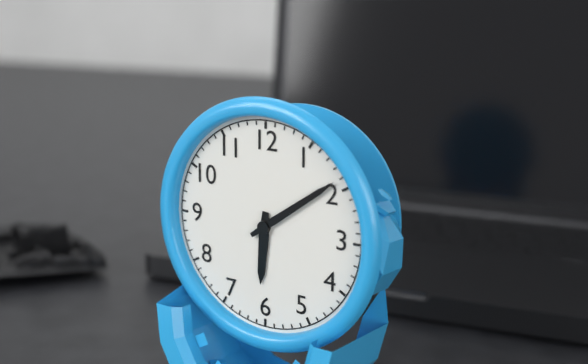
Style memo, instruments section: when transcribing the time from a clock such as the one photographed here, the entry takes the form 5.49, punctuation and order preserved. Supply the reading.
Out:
6.09
